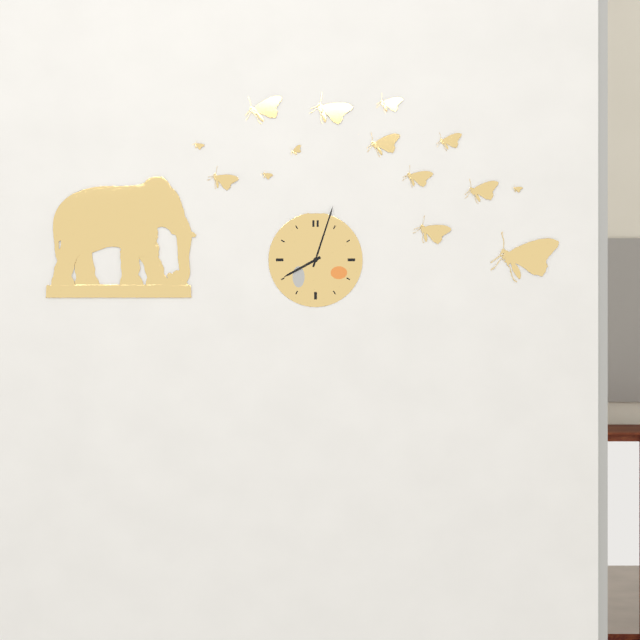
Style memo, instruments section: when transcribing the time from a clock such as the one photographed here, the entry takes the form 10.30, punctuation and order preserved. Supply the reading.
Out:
8.03
